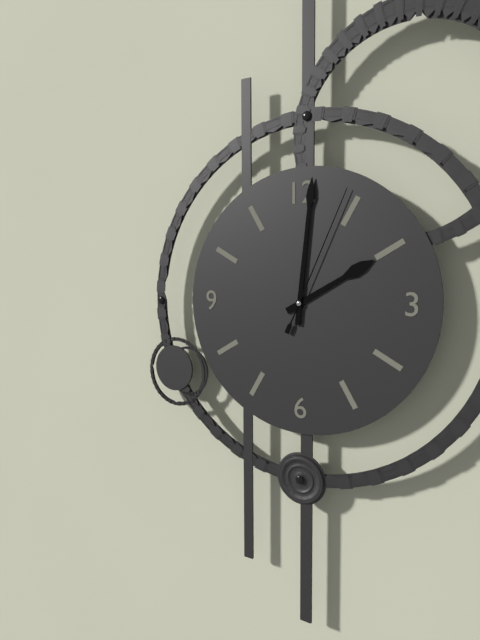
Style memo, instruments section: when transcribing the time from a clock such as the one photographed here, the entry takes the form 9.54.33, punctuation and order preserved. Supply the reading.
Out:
2.01.04
